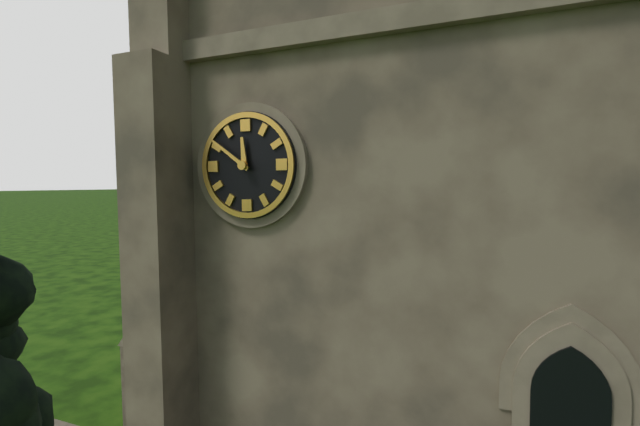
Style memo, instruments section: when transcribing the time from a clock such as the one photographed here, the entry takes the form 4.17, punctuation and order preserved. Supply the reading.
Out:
11.51
